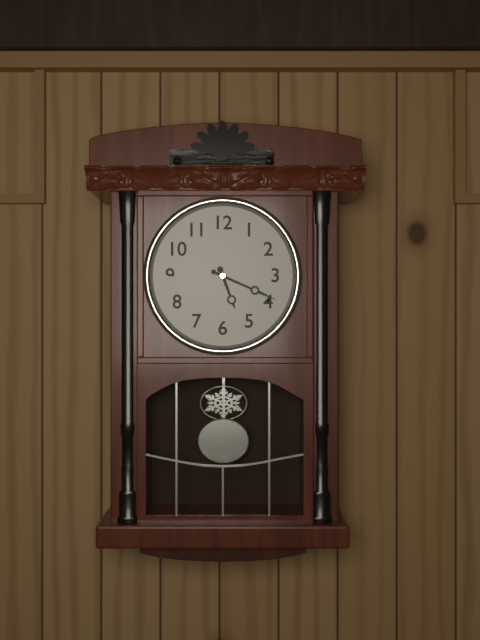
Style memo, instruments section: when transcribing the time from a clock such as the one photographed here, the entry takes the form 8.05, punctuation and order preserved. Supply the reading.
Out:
5.19
